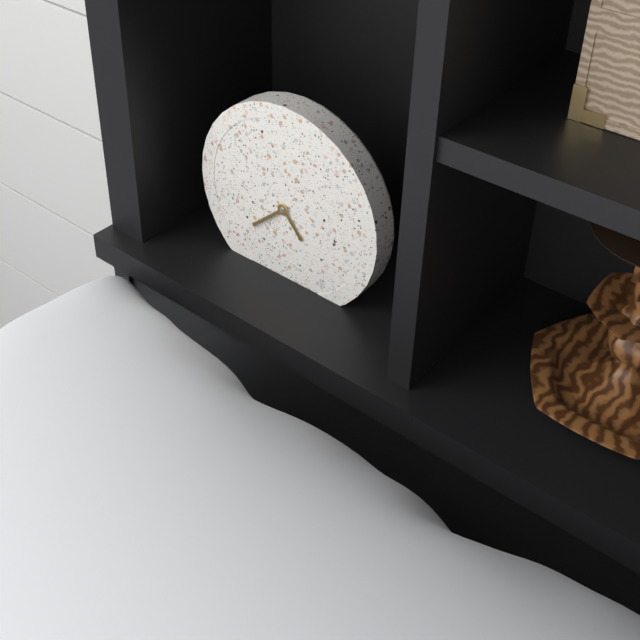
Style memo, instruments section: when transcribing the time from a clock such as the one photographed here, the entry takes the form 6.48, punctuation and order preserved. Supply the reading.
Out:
4.38
